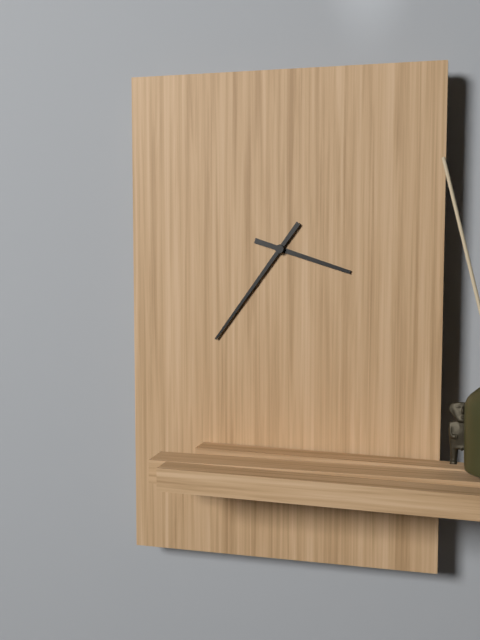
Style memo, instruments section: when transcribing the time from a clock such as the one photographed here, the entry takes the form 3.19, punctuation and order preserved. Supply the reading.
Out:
3.36
